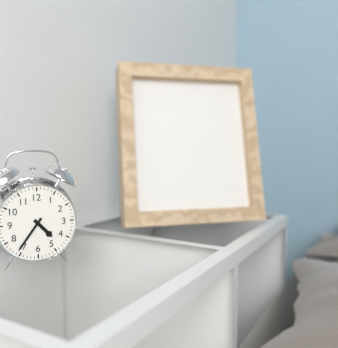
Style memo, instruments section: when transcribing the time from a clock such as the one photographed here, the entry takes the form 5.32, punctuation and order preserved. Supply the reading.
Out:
4.36
